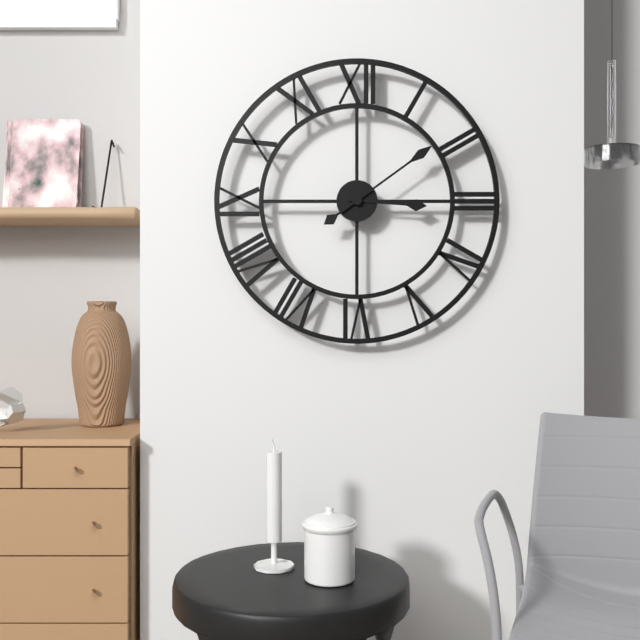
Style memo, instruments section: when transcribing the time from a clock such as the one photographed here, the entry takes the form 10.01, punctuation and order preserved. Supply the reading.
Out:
3.09
